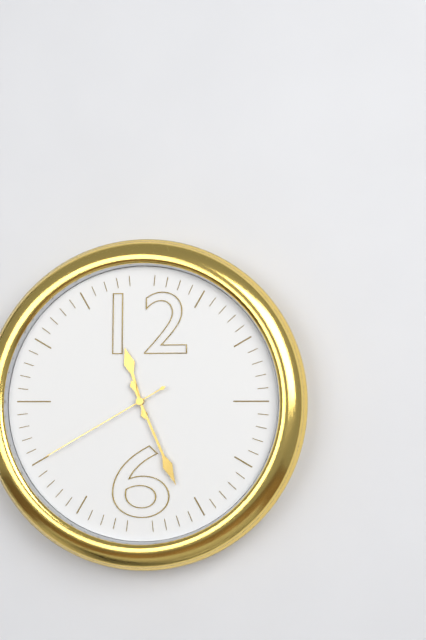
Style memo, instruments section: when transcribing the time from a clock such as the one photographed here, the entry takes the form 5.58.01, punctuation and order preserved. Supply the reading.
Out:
11.26.40
